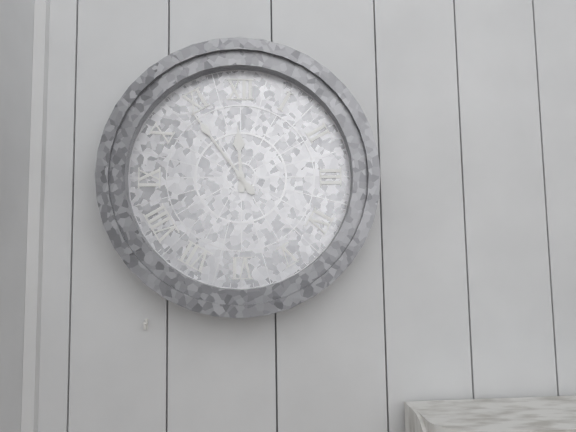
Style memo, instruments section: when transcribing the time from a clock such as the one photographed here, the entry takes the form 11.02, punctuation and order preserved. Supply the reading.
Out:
11.54
